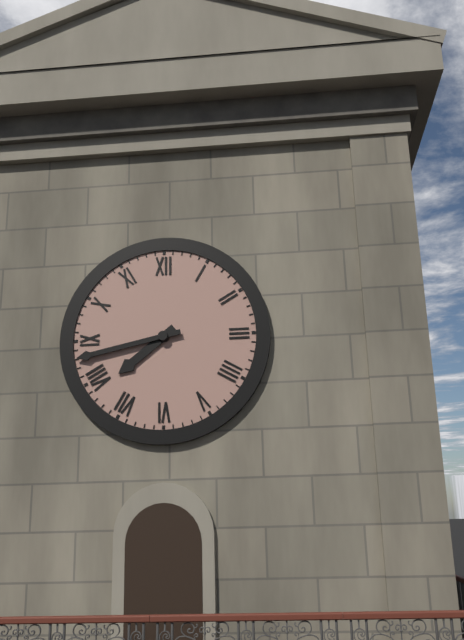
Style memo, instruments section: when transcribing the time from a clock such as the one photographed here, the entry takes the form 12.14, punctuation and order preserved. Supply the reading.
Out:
7.43
